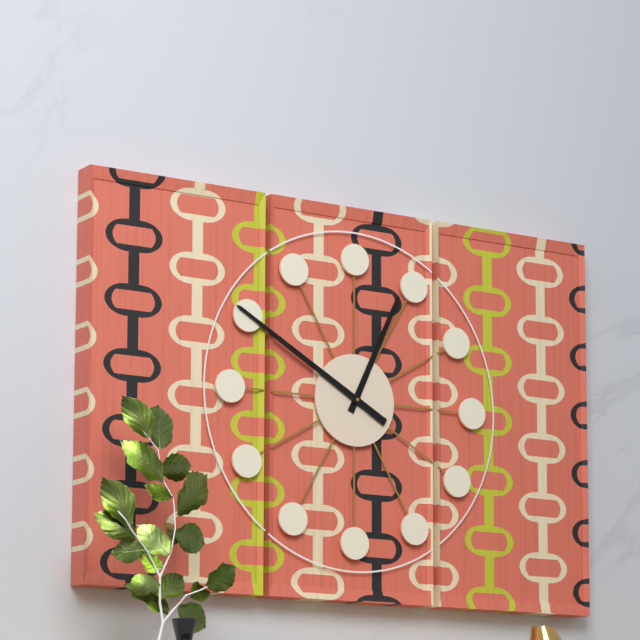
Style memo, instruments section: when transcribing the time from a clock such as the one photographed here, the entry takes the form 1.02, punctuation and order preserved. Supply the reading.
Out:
12.50
